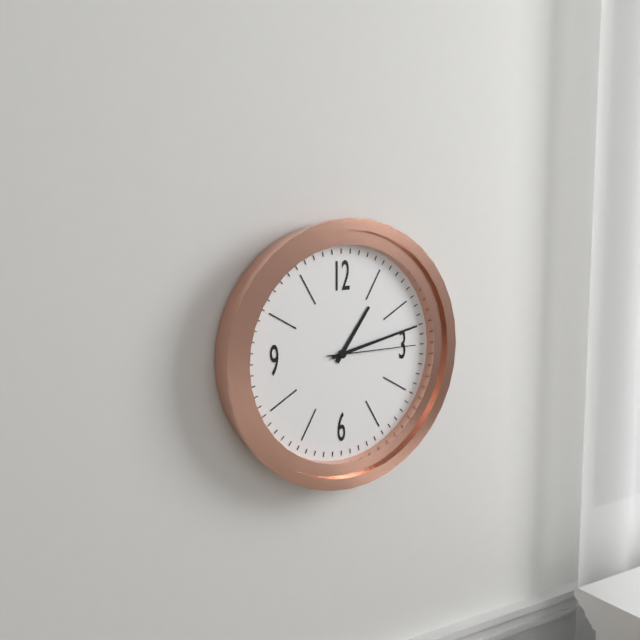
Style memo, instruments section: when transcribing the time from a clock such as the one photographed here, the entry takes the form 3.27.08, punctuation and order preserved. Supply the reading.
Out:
1.13.15
